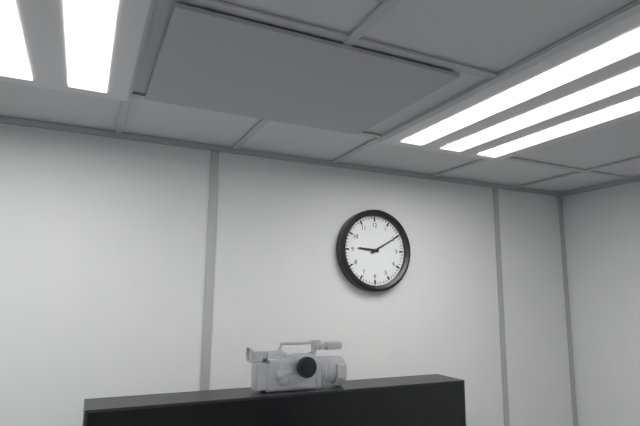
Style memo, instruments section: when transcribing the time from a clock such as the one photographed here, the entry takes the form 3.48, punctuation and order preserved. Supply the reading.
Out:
9.10
